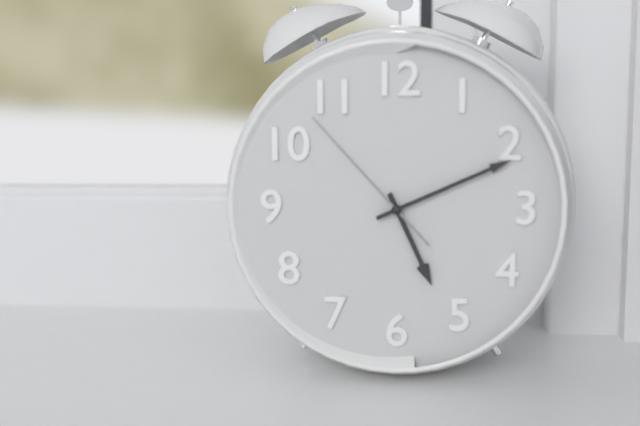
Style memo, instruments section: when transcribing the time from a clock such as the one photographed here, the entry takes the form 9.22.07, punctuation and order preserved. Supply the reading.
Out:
5.11.53
